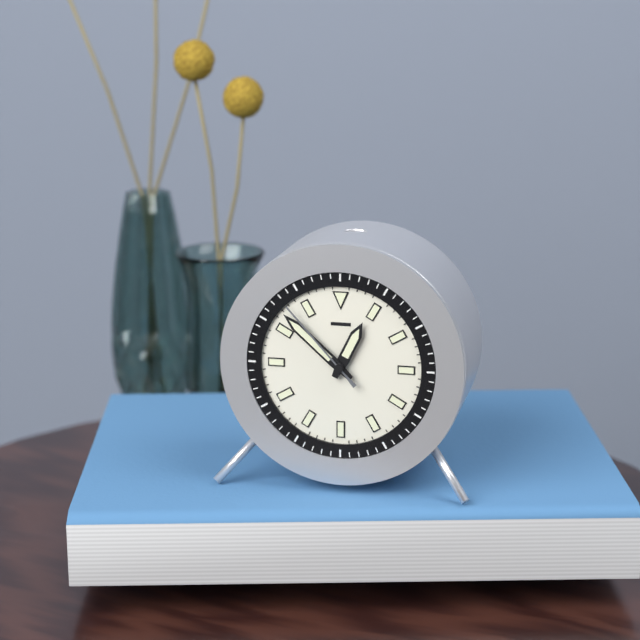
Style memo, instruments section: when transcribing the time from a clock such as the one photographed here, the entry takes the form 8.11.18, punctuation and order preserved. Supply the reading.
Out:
12.52.53
